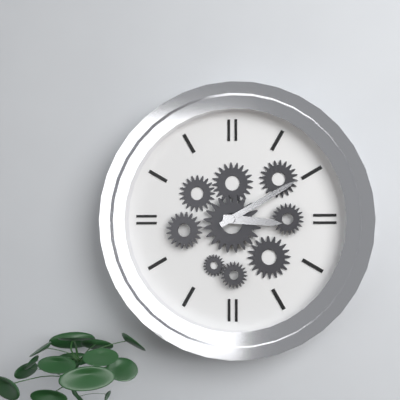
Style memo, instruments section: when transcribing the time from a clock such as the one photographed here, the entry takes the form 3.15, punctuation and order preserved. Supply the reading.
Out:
3.10
